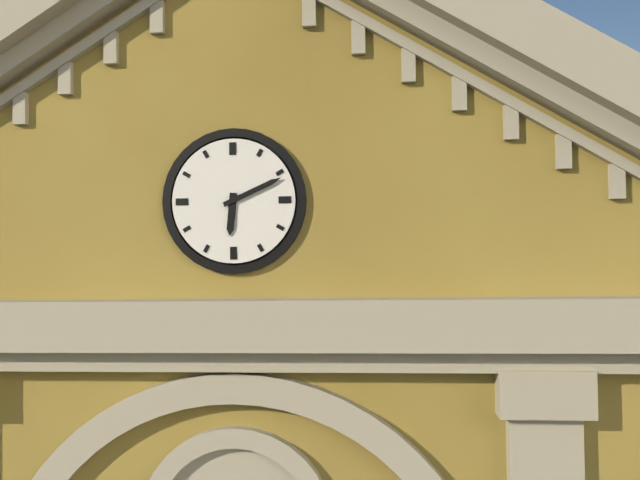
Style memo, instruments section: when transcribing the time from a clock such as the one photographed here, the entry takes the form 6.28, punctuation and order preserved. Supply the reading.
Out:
6.11
